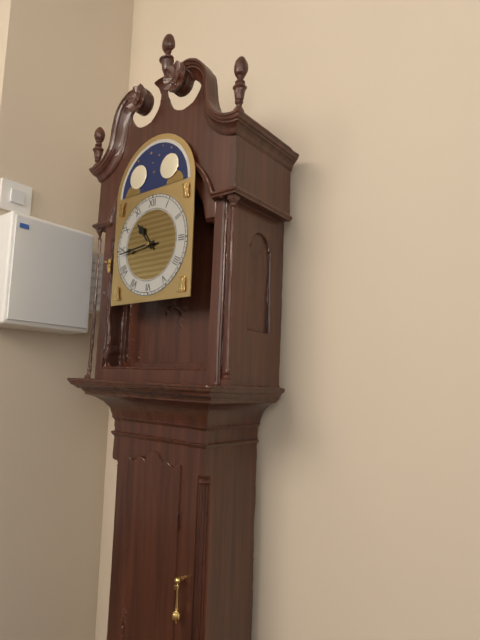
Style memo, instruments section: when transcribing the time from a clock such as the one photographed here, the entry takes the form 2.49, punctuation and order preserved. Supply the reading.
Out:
10.44
